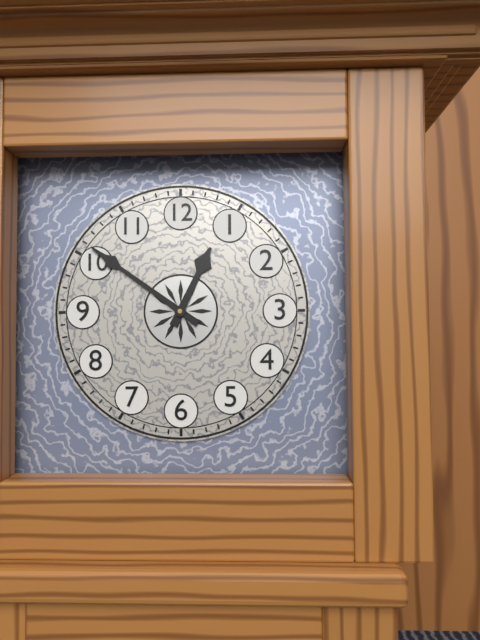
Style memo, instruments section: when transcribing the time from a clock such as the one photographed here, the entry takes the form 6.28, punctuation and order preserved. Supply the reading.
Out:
12.51
